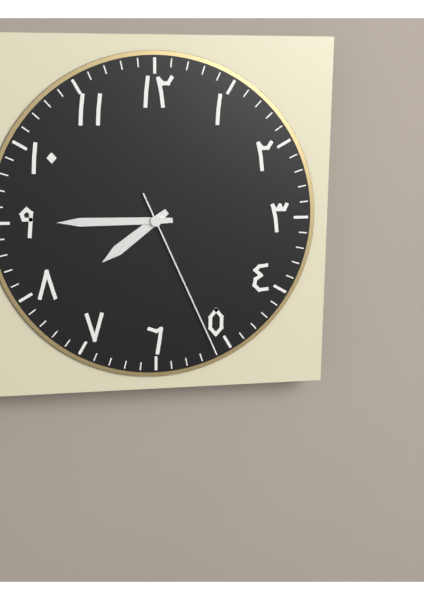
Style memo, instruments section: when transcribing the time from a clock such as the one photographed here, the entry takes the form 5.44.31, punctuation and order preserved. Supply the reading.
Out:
7.45.26
